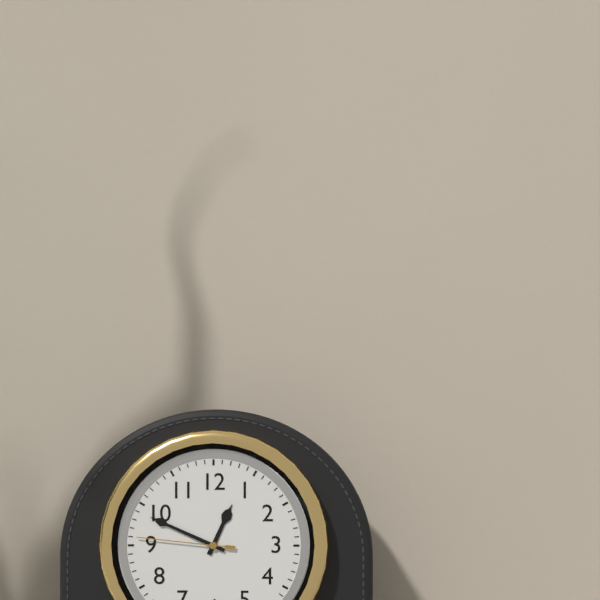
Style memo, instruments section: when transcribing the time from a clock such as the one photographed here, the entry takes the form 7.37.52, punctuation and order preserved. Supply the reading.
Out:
12.49.46
